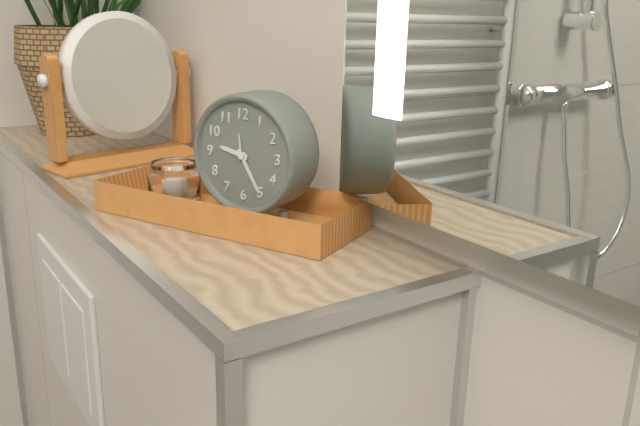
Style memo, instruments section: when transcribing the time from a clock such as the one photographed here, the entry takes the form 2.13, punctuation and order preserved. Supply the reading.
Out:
9.25
